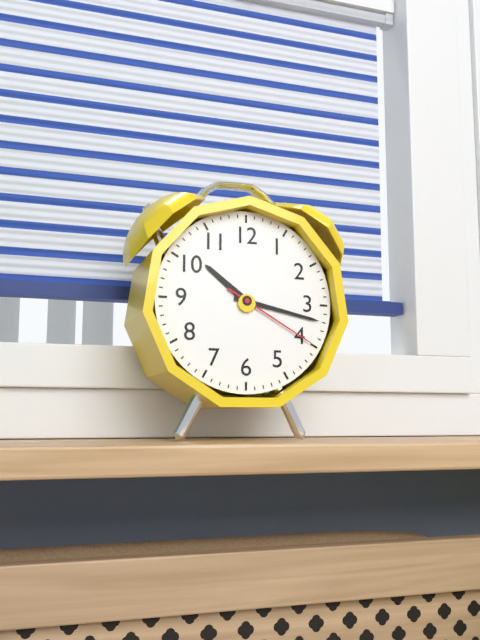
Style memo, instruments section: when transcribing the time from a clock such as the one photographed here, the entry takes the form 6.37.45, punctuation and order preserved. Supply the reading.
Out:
10.17.20
